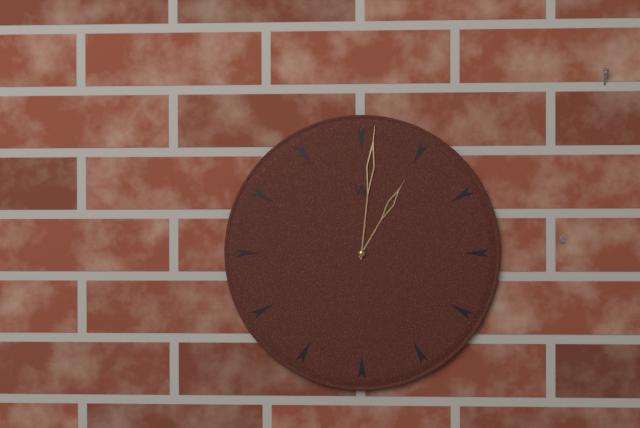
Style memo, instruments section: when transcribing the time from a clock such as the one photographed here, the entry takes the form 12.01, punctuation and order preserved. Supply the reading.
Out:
1.01
